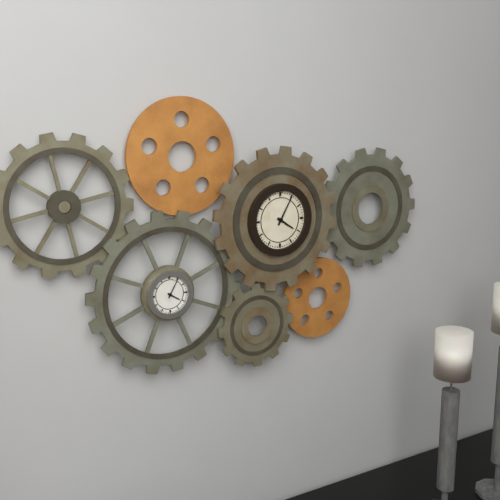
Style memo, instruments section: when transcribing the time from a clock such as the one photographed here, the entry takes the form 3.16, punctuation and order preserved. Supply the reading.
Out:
4.05
